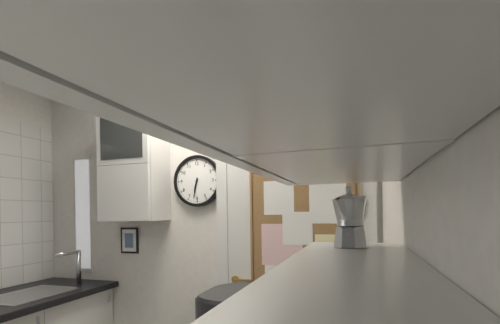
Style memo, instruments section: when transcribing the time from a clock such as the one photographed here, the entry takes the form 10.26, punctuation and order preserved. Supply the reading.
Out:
6.32
